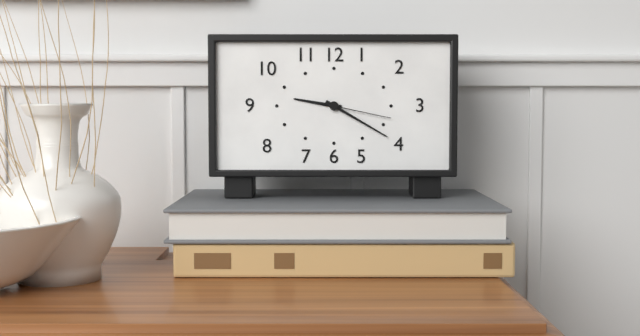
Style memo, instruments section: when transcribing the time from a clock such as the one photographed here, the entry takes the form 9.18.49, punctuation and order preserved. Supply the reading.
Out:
9.20.17
